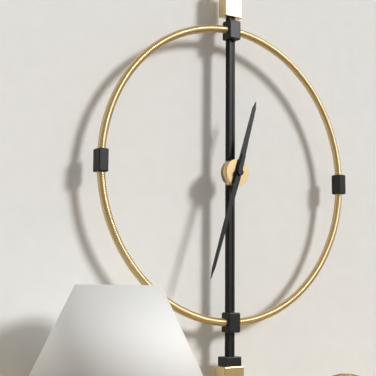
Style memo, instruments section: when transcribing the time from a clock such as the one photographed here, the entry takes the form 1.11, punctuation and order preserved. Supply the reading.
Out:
12.33
